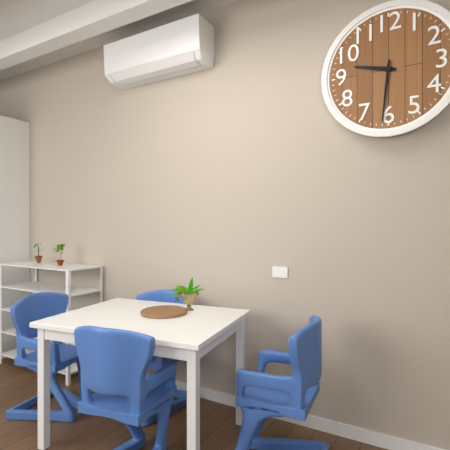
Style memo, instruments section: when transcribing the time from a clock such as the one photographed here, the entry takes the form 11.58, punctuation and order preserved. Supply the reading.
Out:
9.31
